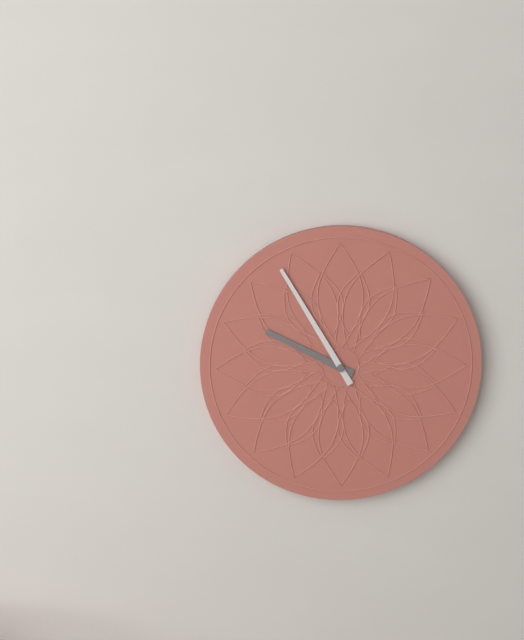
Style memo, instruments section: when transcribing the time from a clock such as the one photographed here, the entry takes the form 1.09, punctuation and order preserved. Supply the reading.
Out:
9.55
